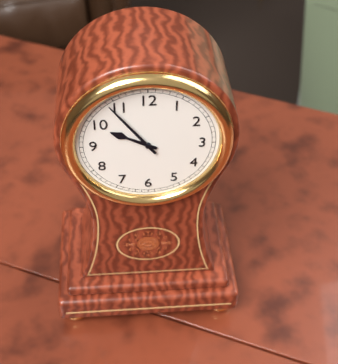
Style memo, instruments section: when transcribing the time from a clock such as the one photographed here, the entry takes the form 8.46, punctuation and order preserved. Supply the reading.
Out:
9.54
